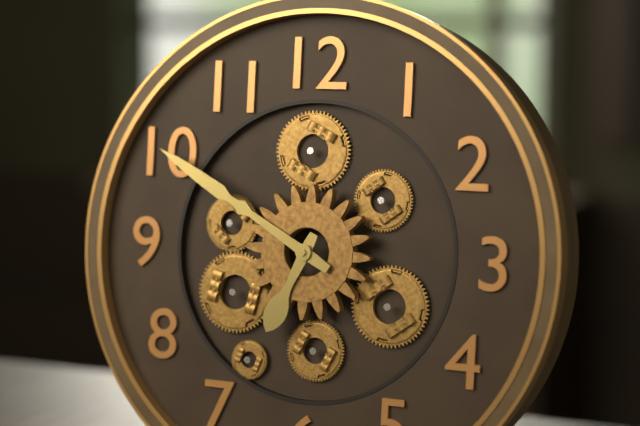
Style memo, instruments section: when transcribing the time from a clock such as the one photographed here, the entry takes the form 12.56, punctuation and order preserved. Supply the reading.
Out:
6.50
